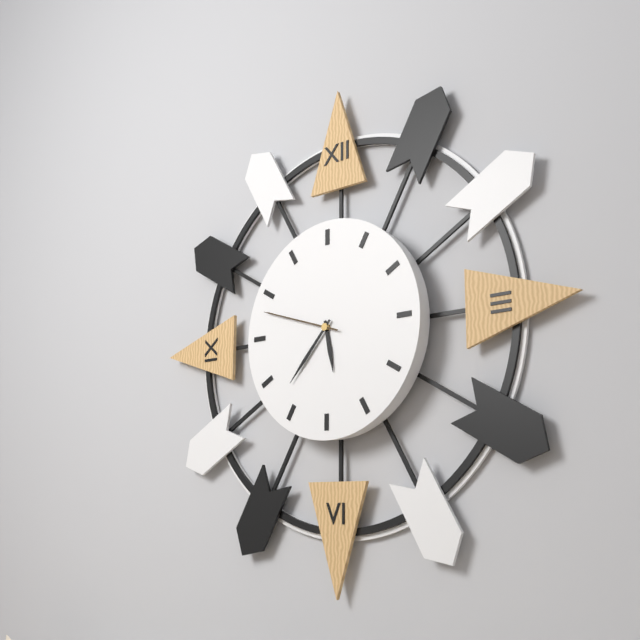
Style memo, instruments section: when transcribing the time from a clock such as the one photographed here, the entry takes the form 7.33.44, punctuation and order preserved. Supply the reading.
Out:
5.37.48
